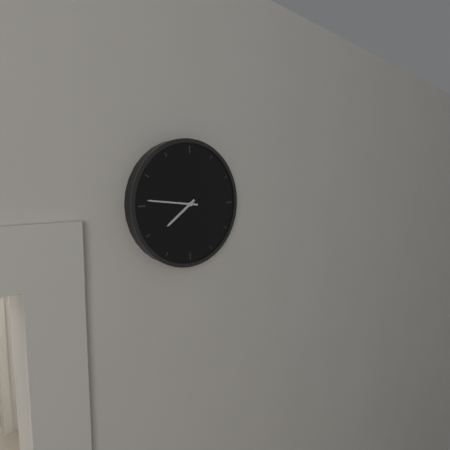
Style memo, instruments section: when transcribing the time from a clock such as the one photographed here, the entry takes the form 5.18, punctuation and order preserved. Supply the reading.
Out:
7.46
